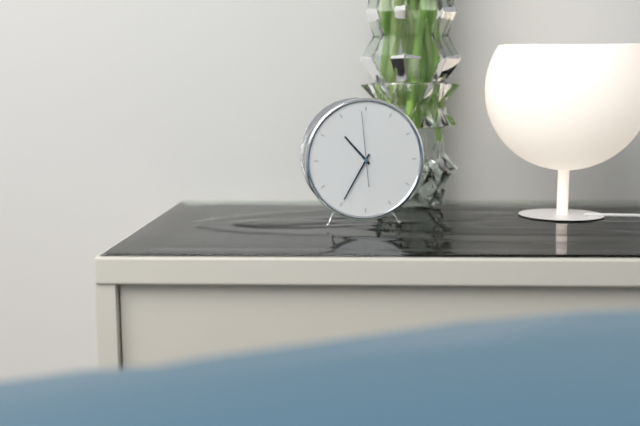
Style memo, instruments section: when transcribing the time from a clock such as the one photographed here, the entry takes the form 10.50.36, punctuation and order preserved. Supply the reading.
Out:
10.35.59
